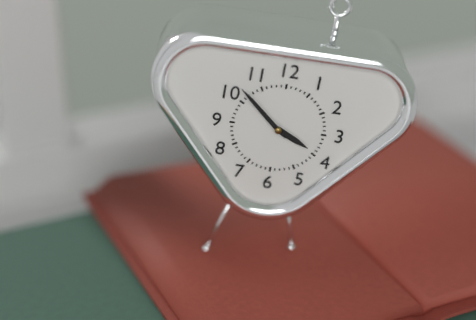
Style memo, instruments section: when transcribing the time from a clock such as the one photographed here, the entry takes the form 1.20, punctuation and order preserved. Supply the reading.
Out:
3.52
